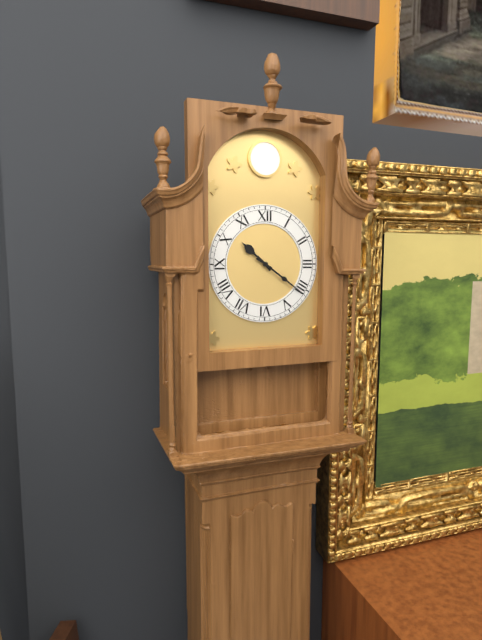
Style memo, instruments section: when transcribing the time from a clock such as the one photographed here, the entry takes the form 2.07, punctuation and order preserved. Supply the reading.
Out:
10.21
